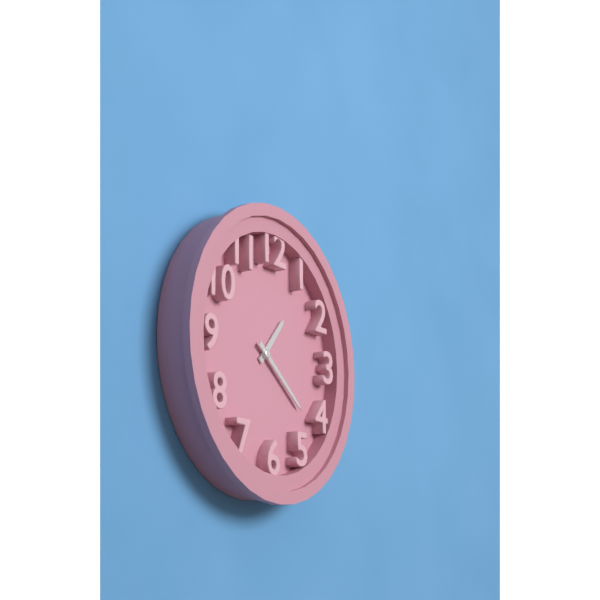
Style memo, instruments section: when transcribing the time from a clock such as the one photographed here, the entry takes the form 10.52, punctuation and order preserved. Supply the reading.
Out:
1.21
